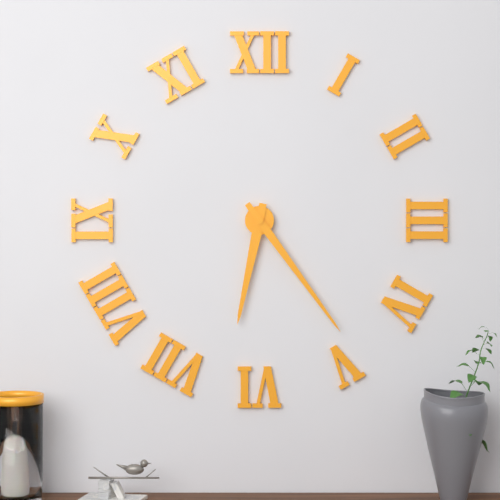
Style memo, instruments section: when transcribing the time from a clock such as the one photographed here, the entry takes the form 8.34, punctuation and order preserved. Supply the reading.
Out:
6.24
